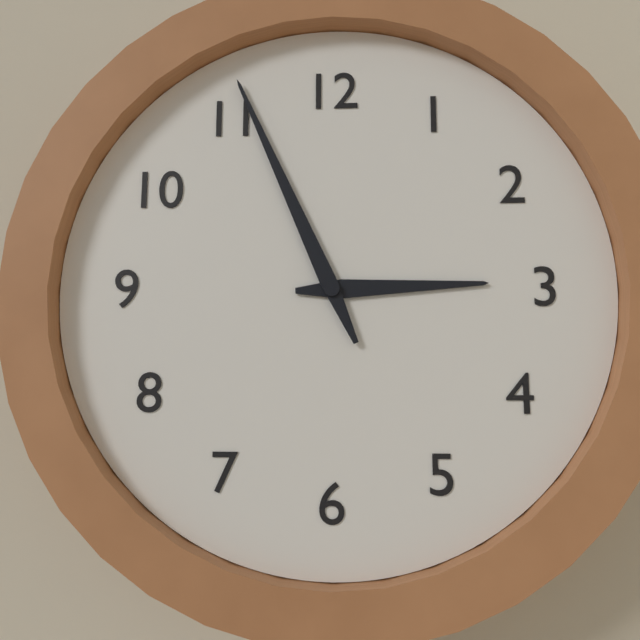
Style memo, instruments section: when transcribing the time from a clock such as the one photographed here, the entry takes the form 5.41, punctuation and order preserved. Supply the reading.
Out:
2.56
